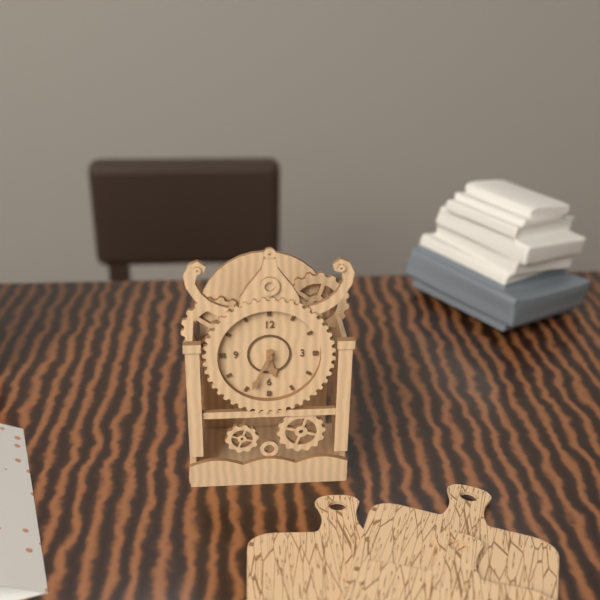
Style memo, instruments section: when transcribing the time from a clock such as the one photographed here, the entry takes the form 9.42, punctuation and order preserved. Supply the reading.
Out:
5.34
